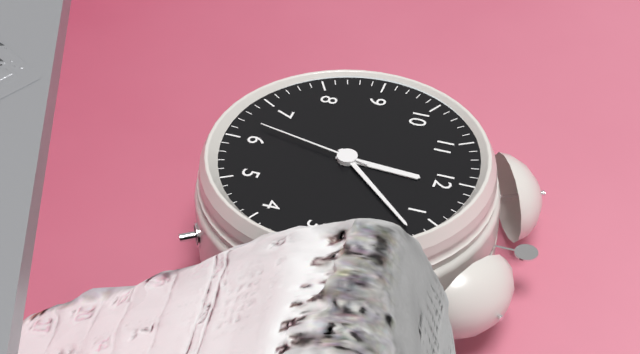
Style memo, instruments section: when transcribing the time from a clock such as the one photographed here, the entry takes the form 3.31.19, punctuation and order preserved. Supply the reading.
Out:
12.07.32
